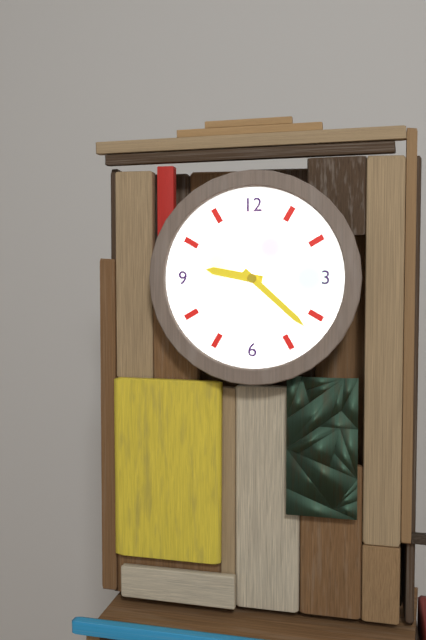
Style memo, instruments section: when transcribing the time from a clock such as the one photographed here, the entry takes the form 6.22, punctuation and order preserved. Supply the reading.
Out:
9.22
